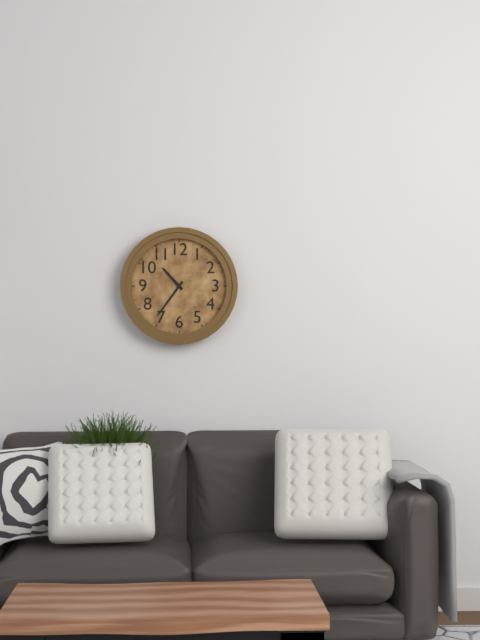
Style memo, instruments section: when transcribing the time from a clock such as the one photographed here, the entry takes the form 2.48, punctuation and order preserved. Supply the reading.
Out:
10.36
